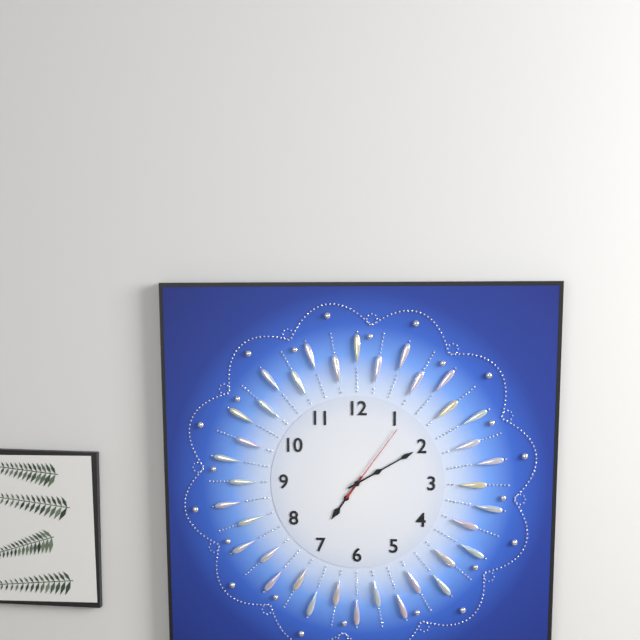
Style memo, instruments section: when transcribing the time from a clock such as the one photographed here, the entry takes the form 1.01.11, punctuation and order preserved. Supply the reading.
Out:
7.10.06
